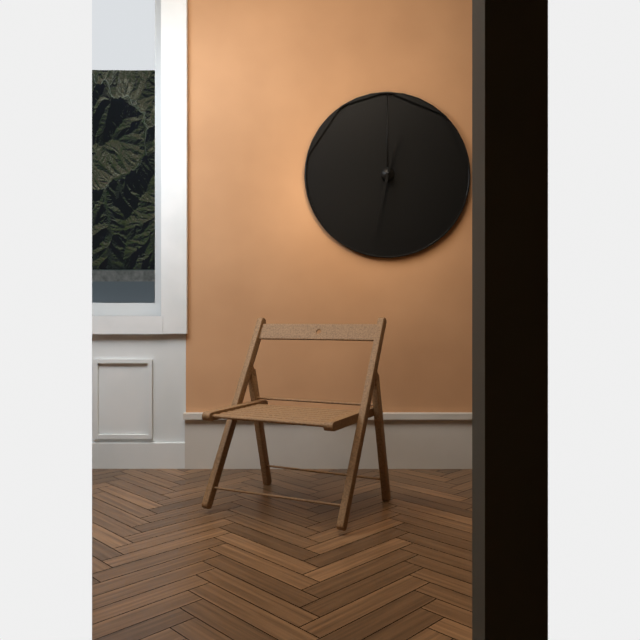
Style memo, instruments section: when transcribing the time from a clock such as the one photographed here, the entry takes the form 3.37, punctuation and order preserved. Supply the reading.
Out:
12.32
